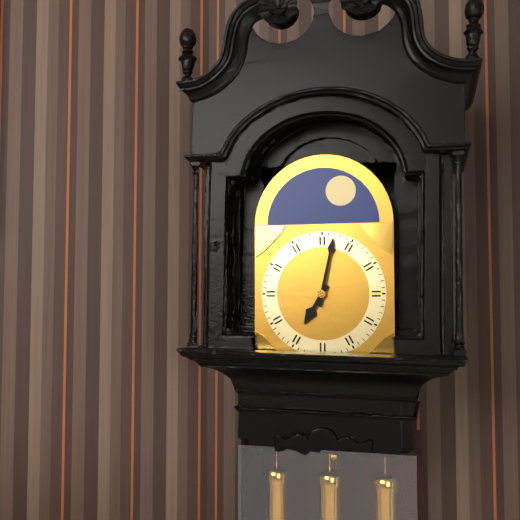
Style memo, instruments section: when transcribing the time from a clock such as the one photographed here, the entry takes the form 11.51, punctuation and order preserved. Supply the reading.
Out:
7.02
